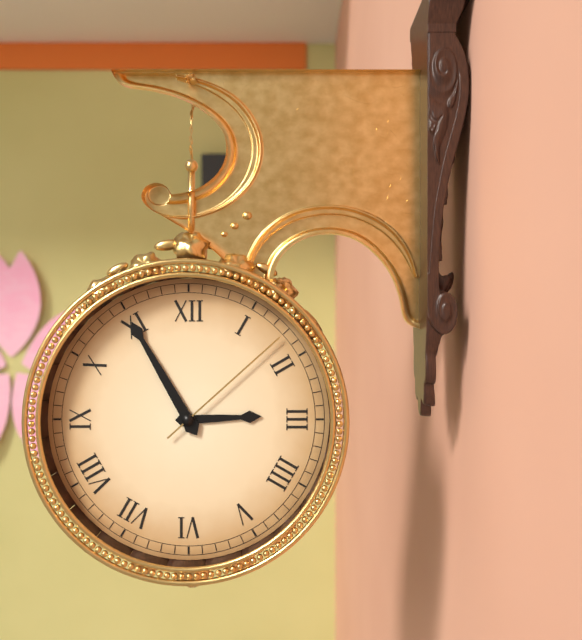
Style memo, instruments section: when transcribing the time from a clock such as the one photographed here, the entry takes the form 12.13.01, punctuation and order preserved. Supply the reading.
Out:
2.55.08
